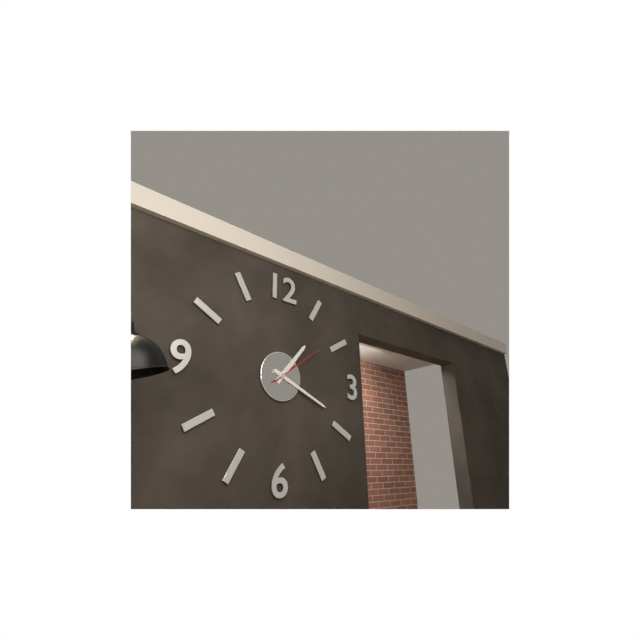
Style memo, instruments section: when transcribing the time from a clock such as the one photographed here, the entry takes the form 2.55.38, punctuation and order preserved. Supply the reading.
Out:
1.19.09
